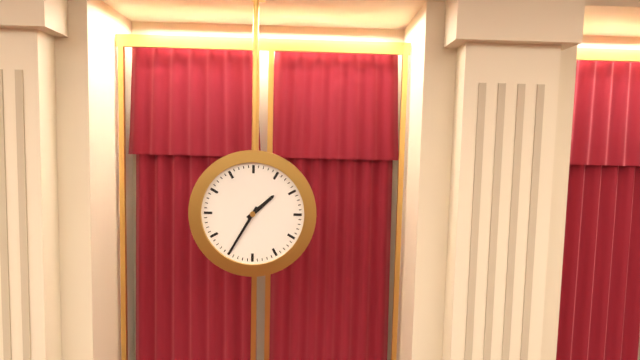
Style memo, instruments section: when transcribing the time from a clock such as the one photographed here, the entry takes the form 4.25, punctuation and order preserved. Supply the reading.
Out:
1.35
